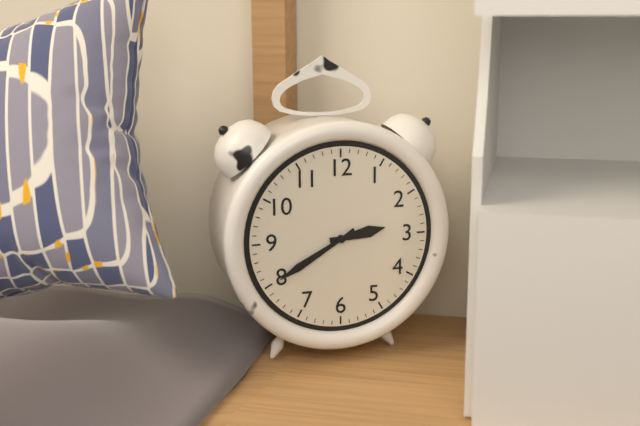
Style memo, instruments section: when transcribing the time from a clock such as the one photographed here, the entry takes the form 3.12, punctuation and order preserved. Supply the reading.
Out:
2.40
